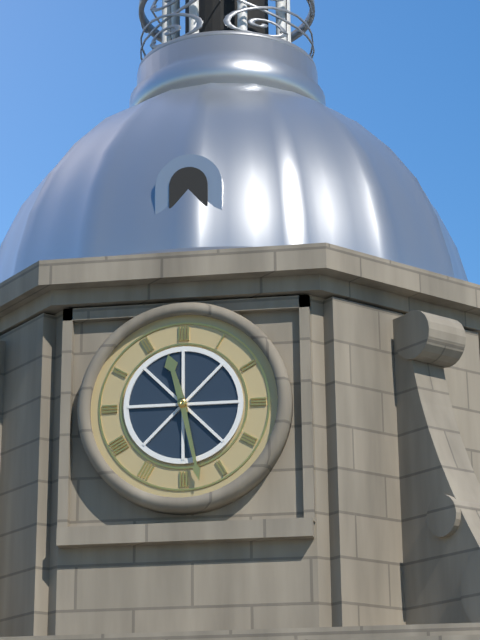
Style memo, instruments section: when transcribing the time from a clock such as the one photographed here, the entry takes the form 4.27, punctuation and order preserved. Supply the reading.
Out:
11.28
